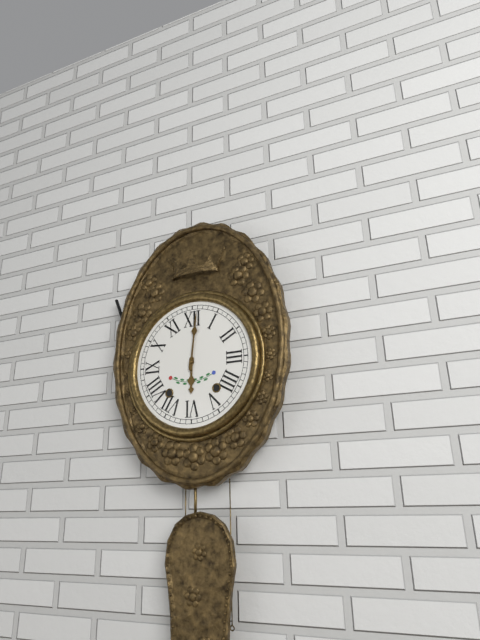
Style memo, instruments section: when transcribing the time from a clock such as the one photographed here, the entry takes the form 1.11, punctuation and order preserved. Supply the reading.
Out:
6.01
